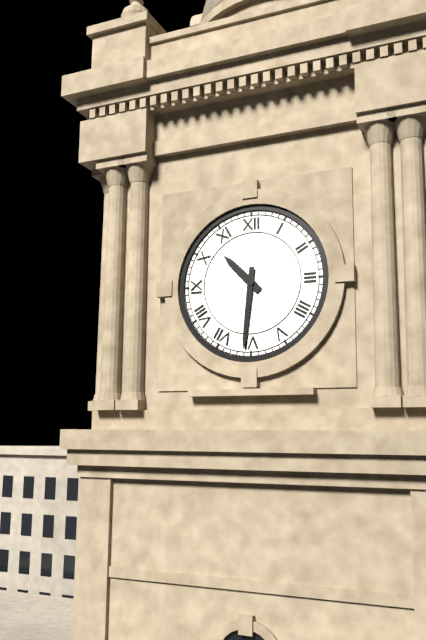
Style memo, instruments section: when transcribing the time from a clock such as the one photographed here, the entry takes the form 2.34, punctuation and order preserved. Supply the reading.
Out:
10.31
